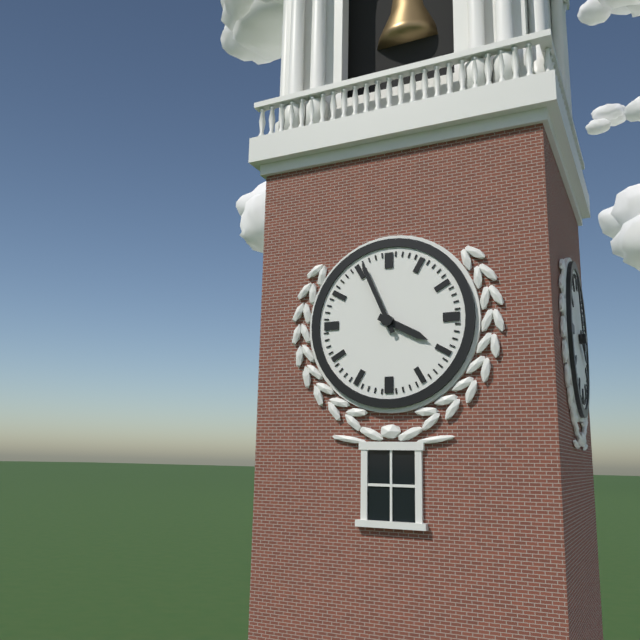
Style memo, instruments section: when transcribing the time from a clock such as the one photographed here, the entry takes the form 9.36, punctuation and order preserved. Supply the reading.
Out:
3.56
